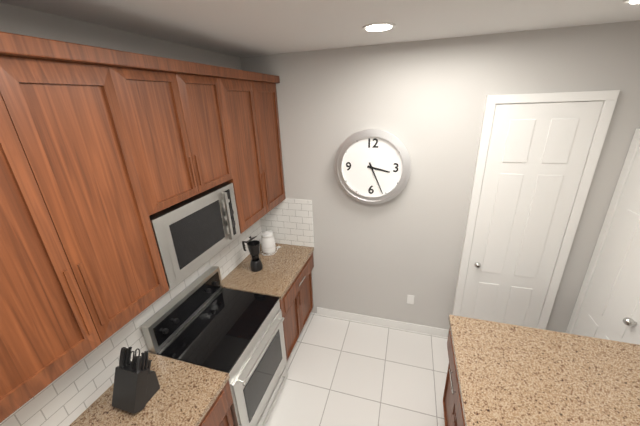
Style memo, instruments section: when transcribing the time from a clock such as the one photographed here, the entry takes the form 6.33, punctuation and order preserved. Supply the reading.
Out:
3.26
